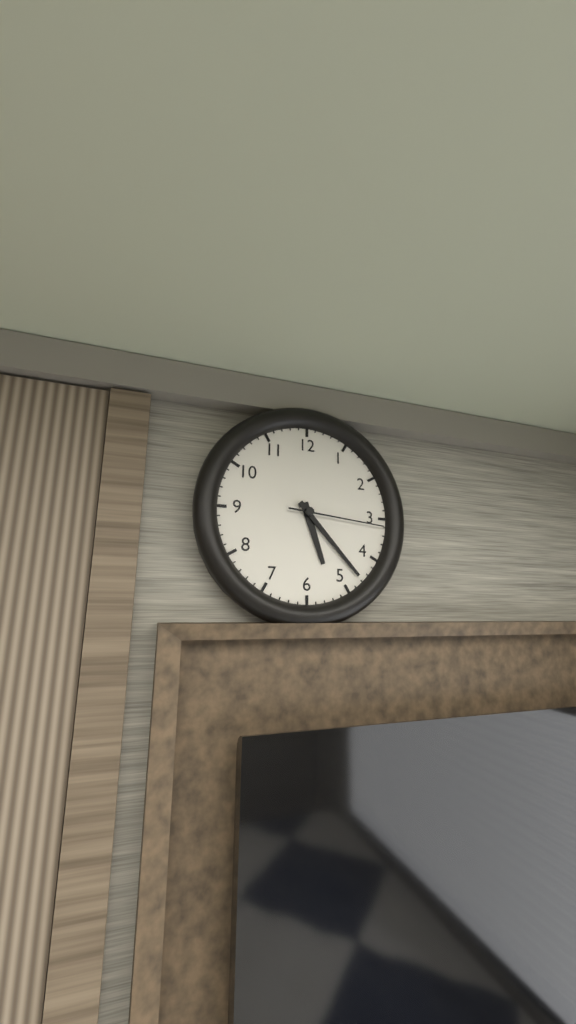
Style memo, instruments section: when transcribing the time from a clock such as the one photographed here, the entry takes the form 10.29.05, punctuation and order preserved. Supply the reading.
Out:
5.23.16
